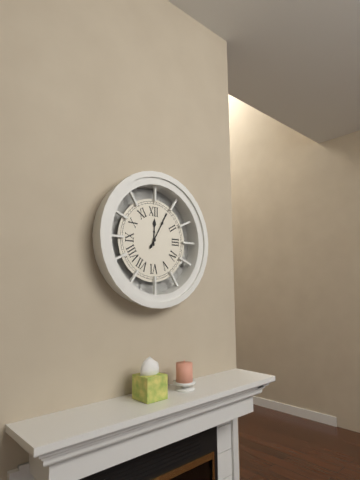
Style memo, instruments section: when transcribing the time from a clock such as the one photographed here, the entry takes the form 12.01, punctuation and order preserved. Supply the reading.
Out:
12.05
